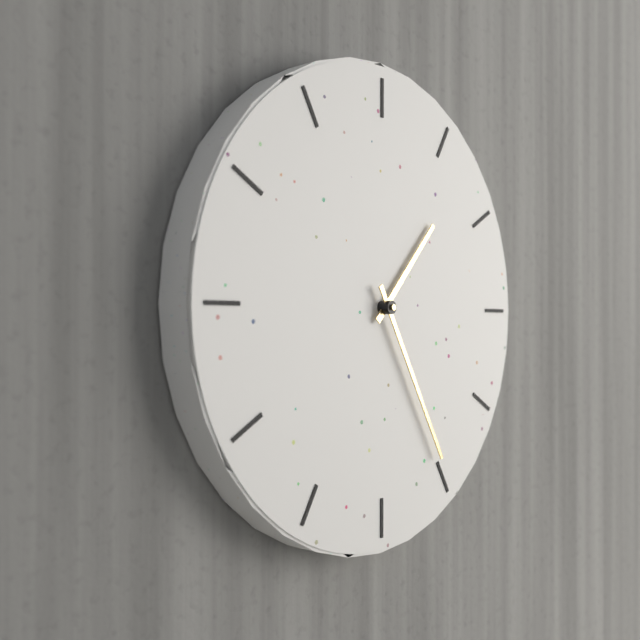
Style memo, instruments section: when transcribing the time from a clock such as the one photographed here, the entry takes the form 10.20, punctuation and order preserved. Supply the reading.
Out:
1.25
